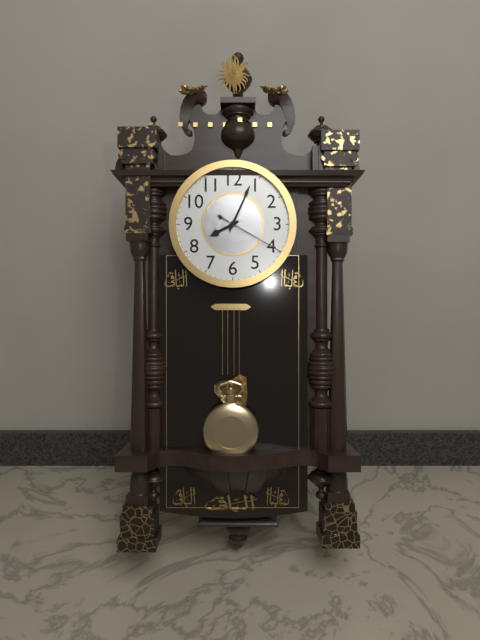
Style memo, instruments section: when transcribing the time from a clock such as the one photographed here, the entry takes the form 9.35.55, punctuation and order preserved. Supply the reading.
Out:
8.04.20
